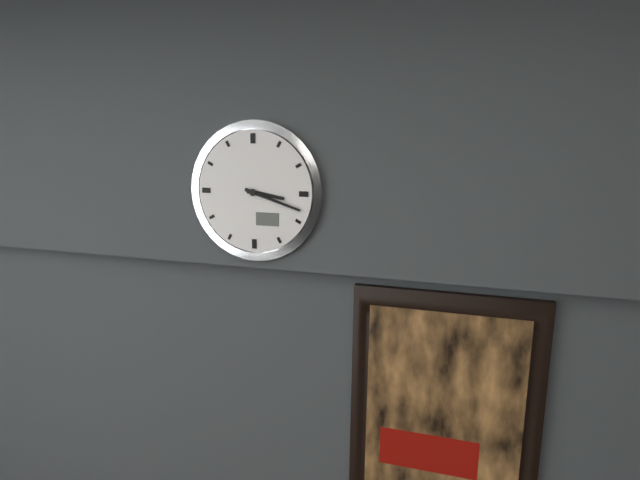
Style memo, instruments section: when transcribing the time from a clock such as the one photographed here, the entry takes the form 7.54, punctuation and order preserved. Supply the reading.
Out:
3.18
